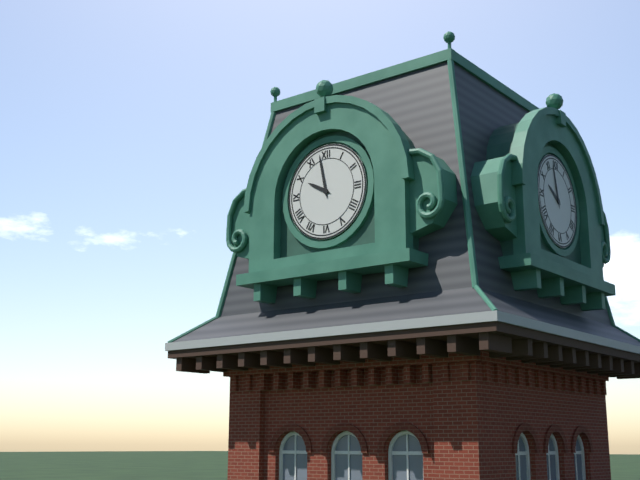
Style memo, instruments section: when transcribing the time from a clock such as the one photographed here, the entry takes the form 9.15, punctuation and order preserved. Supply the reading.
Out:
9.58
